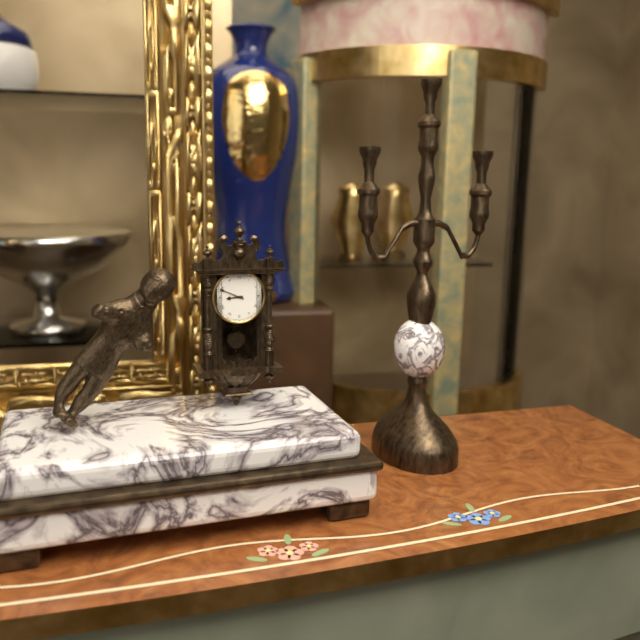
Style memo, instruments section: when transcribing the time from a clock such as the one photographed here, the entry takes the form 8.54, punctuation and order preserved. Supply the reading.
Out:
8.49
